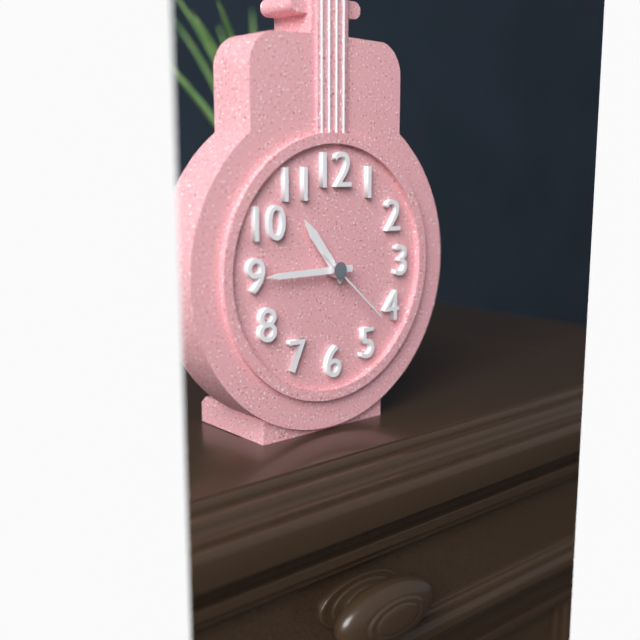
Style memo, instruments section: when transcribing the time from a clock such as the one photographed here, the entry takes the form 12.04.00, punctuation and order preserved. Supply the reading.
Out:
10.45.22
